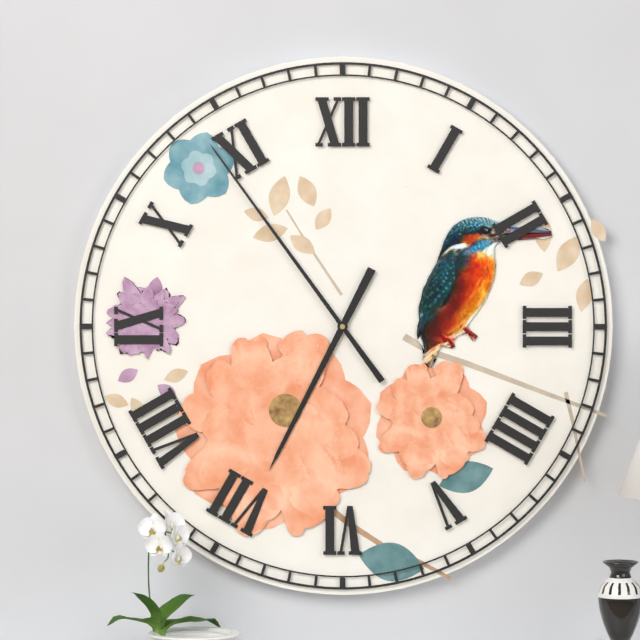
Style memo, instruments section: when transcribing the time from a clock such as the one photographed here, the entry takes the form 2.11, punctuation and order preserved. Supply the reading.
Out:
6.54
